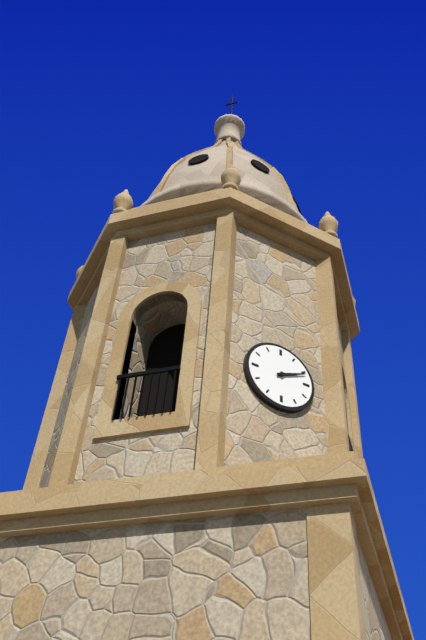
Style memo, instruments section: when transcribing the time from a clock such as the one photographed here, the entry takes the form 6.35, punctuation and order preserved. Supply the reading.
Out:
2.11
